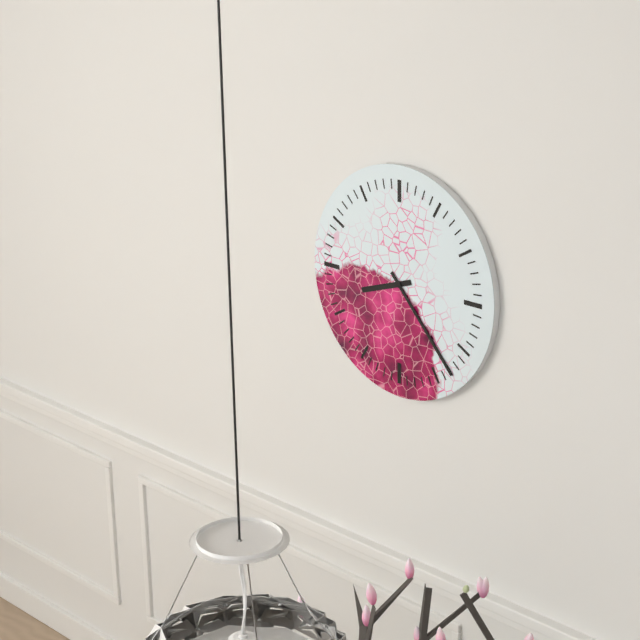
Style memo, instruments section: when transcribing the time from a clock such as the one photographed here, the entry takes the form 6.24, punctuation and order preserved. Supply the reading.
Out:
8.23
